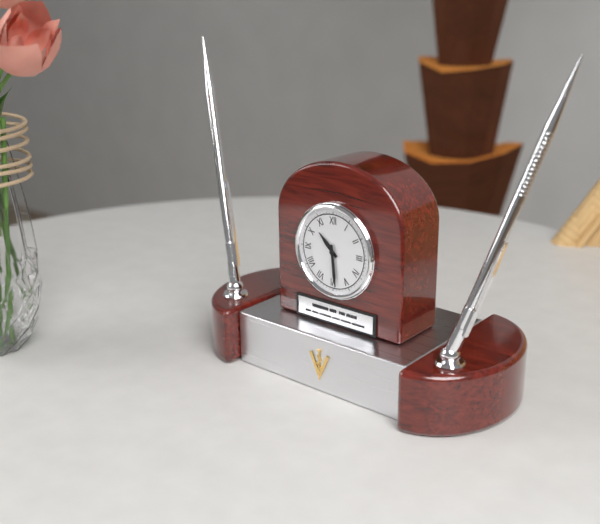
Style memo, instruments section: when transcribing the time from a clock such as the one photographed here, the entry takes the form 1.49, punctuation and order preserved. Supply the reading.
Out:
10.29
